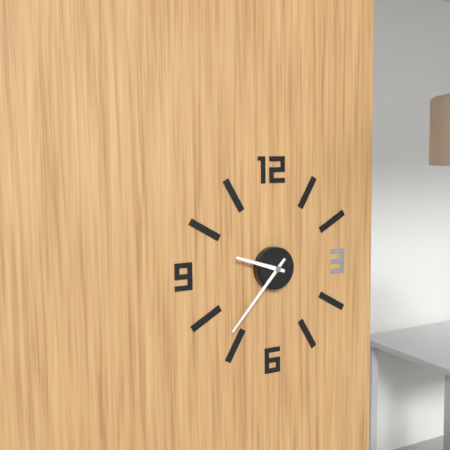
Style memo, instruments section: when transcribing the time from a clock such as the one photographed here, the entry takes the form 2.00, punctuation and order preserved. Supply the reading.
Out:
9.37
